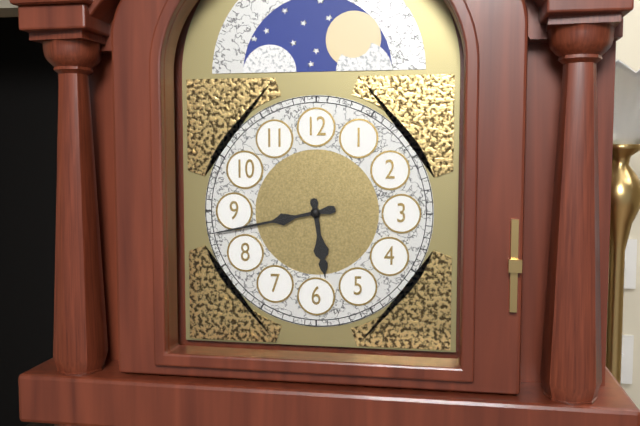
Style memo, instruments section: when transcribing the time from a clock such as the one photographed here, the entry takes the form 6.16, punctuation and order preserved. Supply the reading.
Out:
5.43
